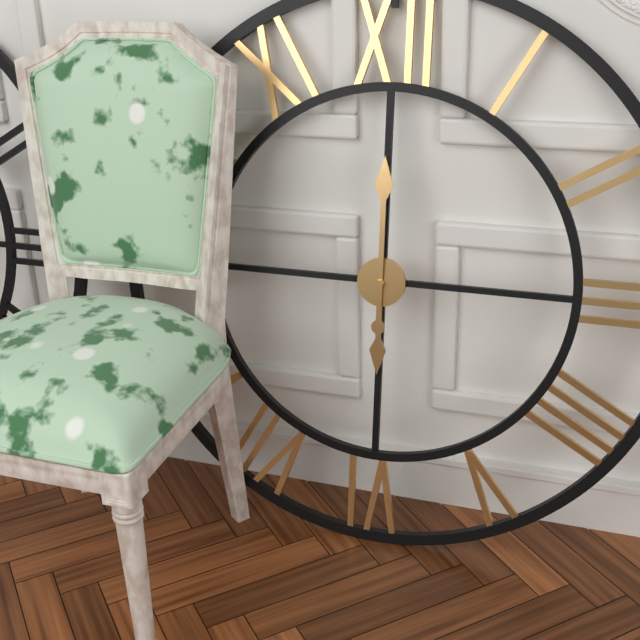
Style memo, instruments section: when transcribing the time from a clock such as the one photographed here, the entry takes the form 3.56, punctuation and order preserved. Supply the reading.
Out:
6.00
